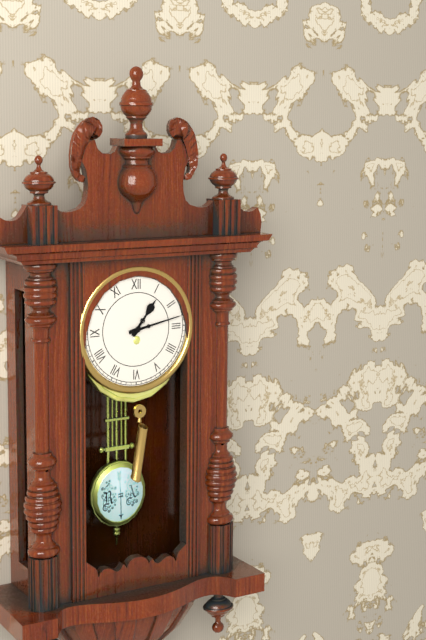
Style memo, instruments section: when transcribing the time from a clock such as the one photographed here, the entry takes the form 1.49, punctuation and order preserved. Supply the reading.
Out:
1.13
